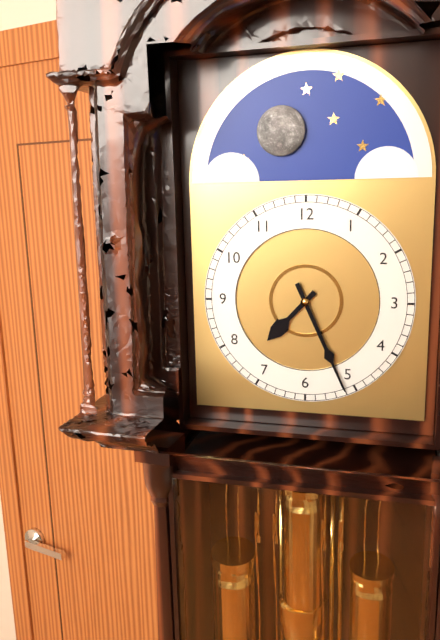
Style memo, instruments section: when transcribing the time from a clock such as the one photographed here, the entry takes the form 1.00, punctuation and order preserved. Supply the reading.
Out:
7.26
